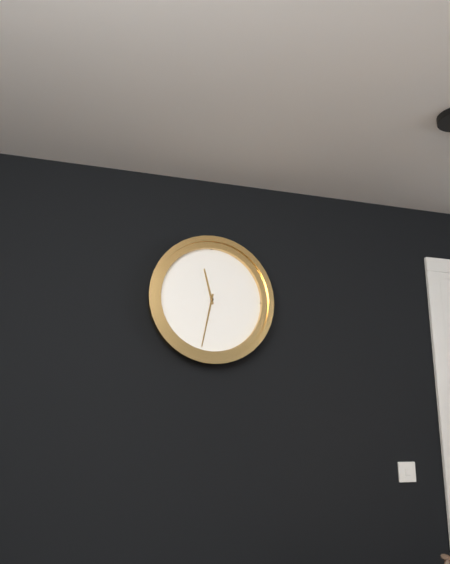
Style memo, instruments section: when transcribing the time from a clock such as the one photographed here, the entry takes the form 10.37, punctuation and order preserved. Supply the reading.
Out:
11.32
